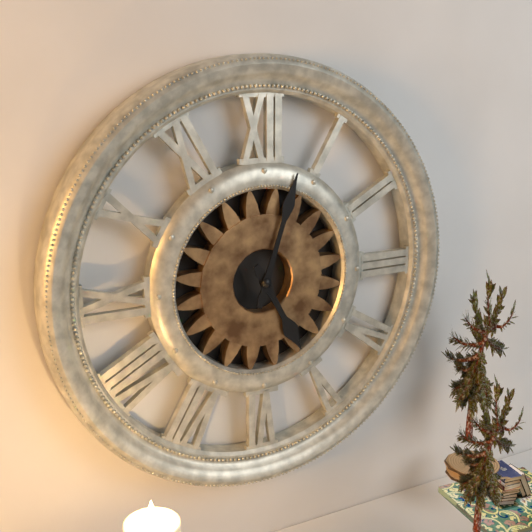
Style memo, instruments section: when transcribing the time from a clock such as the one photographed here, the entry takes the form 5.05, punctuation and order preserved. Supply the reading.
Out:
5.03
